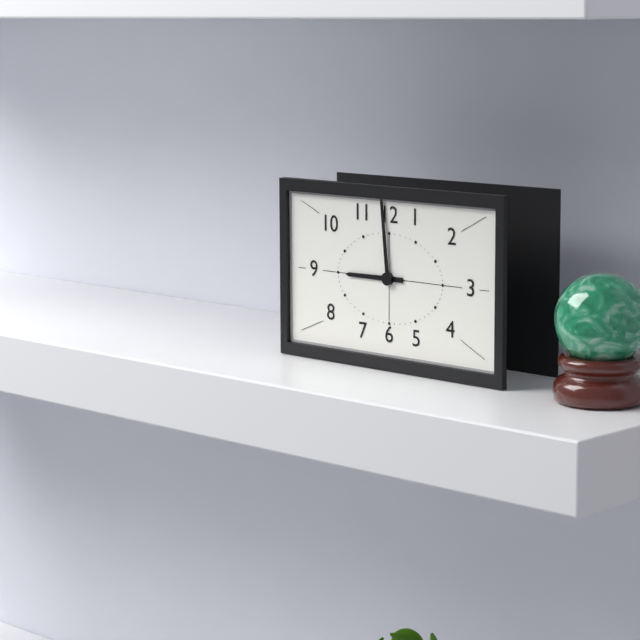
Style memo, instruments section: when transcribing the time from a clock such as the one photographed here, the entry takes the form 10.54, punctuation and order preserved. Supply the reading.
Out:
8.59
